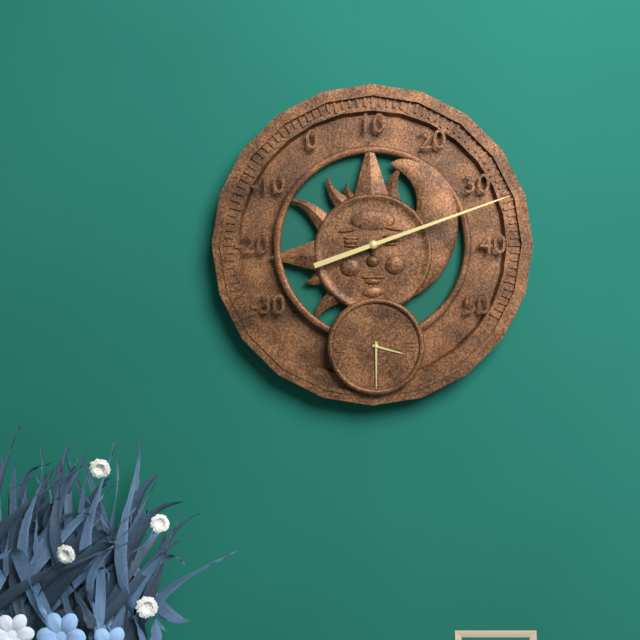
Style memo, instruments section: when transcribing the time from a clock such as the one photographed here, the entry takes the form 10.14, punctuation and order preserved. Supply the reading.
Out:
3.30
